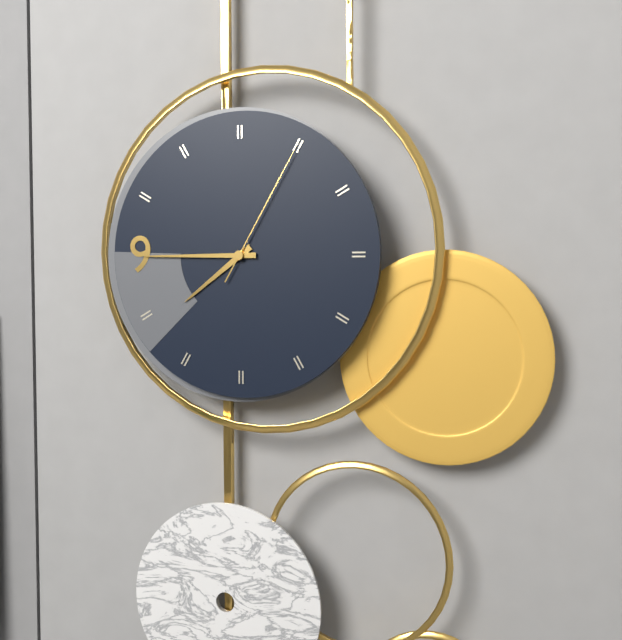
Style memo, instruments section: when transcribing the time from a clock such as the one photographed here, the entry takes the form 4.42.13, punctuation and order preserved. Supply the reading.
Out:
7.45.05
